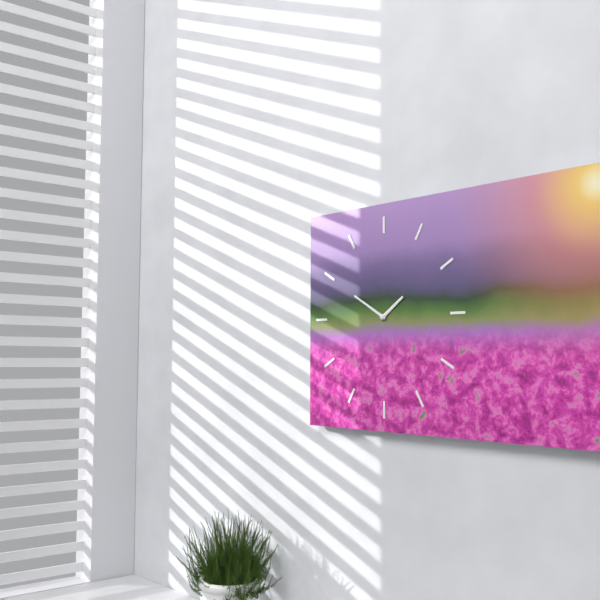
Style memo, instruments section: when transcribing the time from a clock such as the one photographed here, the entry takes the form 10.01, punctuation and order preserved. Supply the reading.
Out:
1.50
